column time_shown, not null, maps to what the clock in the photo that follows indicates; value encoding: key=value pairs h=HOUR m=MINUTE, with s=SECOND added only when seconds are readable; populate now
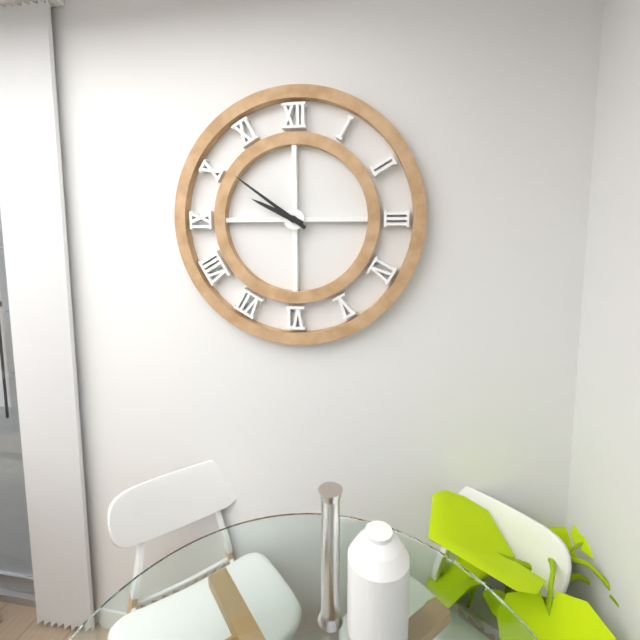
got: h=9 m=51
